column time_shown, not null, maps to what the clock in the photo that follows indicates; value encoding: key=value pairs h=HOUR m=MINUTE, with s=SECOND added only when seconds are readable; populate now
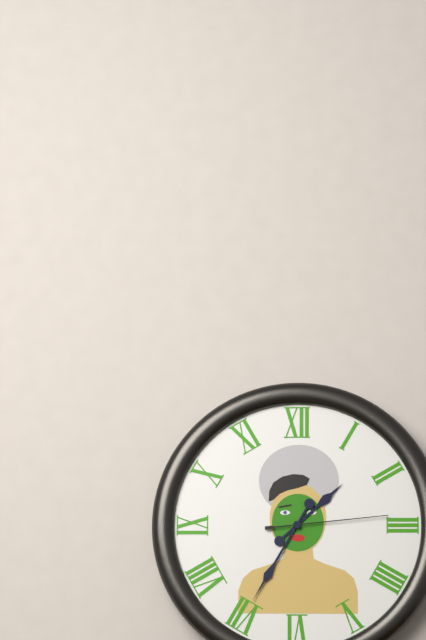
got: h=1 m=35 s=14
